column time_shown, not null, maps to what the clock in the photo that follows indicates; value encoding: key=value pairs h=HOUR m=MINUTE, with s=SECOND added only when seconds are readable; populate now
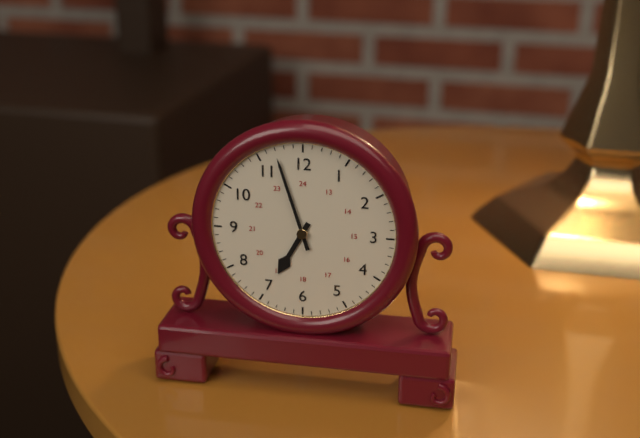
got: h=6 m=57
